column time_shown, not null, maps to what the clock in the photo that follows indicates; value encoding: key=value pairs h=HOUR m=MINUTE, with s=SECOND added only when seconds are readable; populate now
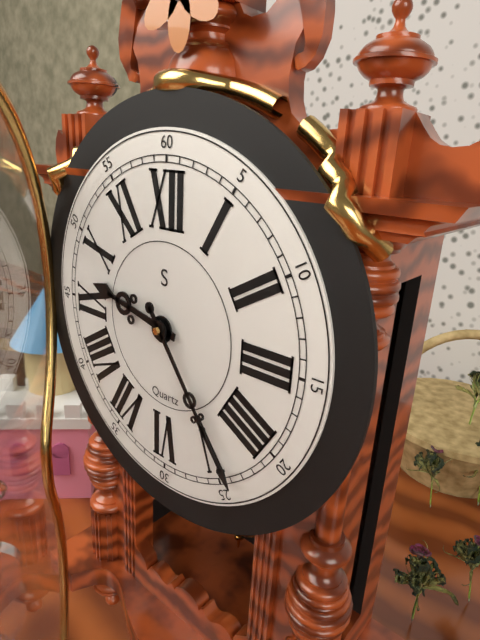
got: h=9 m=24
